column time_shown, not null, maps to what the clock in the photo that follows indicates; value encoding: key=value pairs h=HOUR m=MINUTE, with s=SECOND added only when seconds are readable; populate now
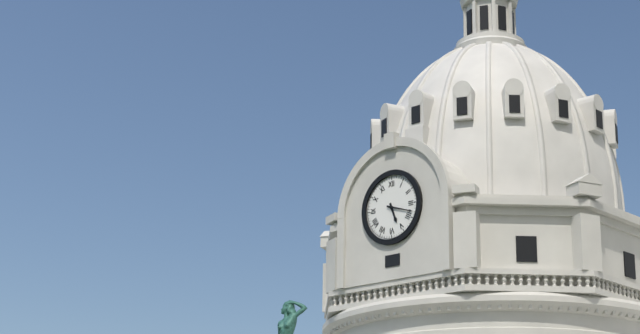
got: h=5 m=18
